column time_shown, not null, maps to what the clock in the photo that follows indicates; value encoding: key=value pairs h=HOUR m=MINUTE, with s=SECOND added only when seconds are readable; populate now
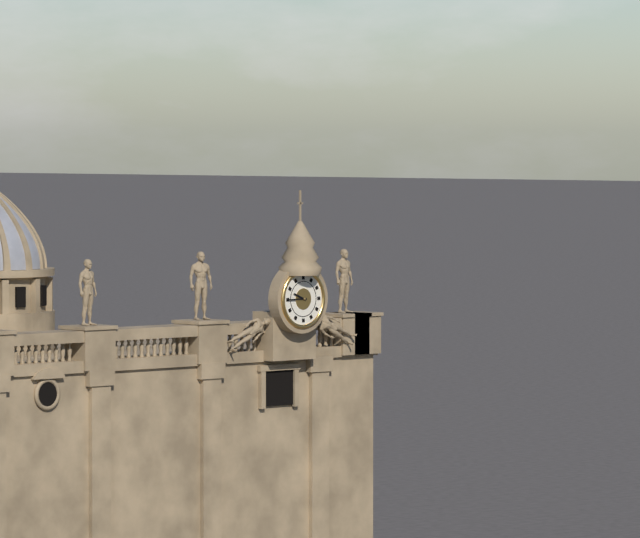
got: h=9 m=45
